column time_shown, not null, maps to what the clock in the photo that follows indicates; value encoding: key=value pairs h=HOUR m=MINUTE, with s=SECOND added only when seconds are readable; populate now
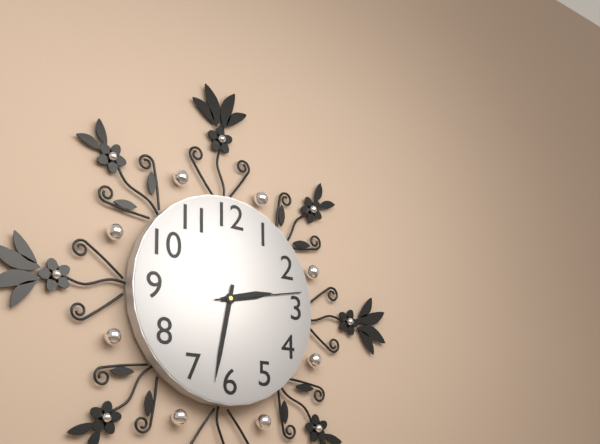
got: h=2 m=32 s=13
